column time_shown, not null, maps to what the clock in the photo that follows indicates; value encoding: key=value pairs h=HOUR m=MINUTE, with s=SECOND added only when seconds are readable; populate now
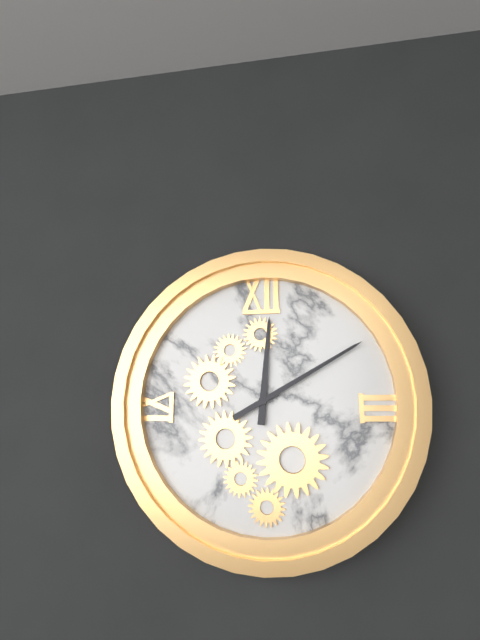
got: h=12 m=10
